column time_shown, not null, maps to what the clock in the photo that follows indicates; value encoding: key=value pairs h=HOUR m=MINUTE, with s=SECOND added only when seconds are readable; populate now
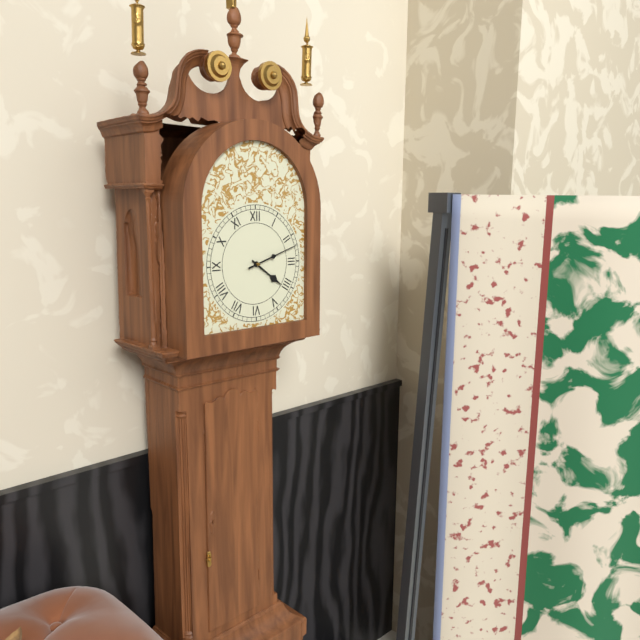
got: h=4 m=12
